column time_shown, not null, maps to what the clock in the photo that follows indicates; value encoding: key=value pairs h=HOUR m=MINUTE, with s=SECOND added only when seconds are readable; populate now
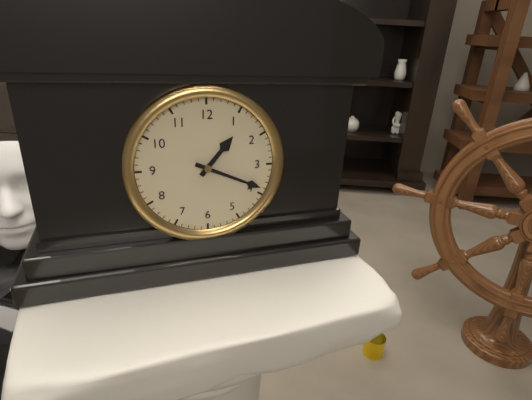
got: h=1 m=19
